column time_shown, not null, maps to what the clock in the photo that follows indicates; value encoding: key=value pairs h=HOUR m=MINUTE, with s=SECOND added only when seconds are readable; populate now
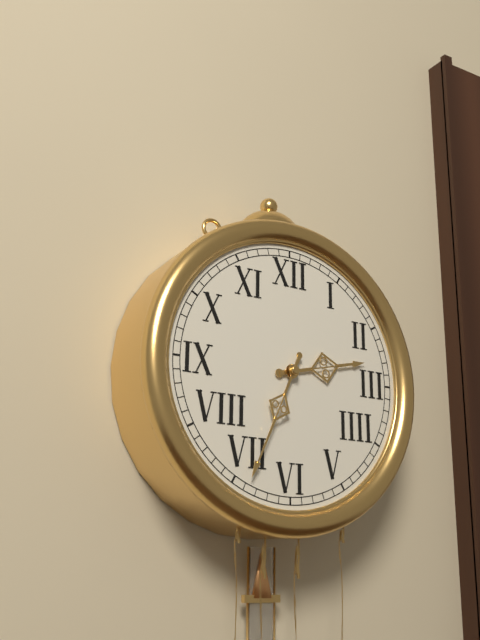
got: h=2 m=34
